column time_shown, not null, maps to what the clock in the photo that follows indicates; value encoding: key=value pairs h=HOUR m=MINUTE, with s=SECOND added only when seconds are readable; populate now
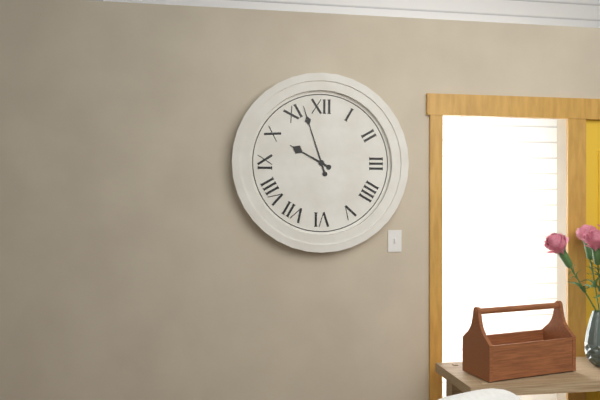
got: h=9 m=57
